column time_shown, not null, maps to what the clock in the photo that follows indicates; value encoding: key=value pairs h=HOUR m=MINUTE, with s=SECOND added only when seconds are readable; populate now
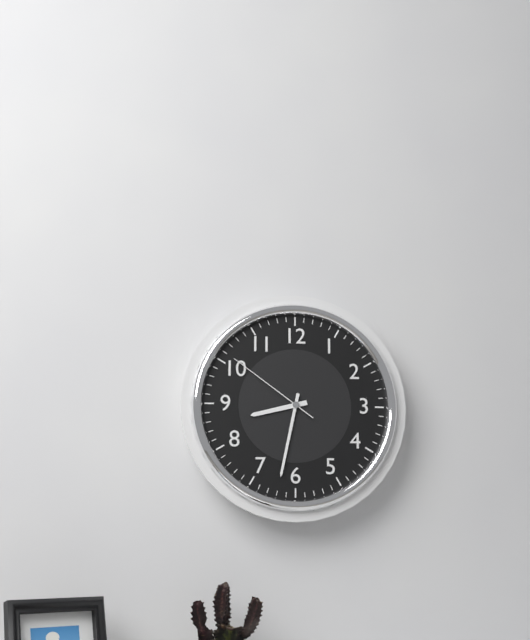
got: h=8 m=32 s=51
